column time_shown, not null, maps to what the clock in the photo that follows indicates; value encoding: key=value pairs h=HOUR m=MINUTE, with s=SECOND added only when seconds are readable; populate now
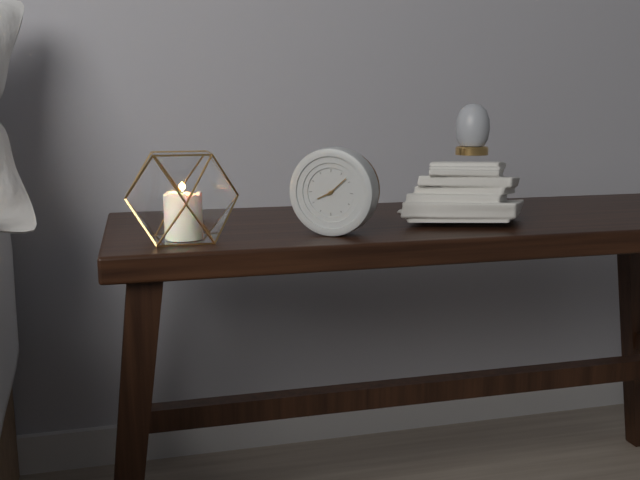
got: h=8 m=8
